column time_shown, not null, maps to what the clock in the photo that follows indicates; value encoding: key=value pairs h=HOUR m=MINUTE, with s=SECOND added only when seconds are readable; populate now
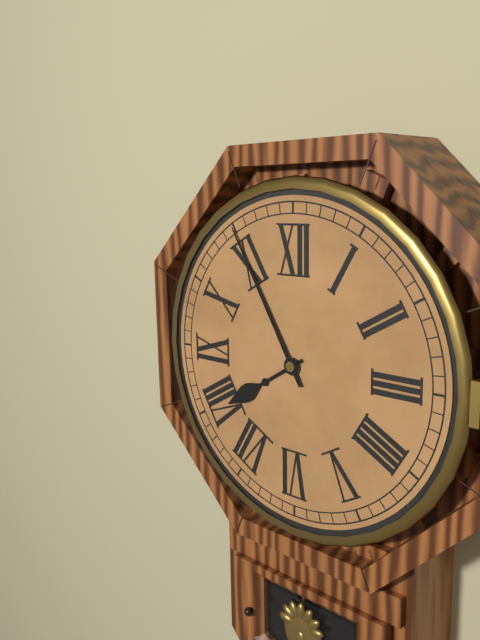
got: h=7 m=55
